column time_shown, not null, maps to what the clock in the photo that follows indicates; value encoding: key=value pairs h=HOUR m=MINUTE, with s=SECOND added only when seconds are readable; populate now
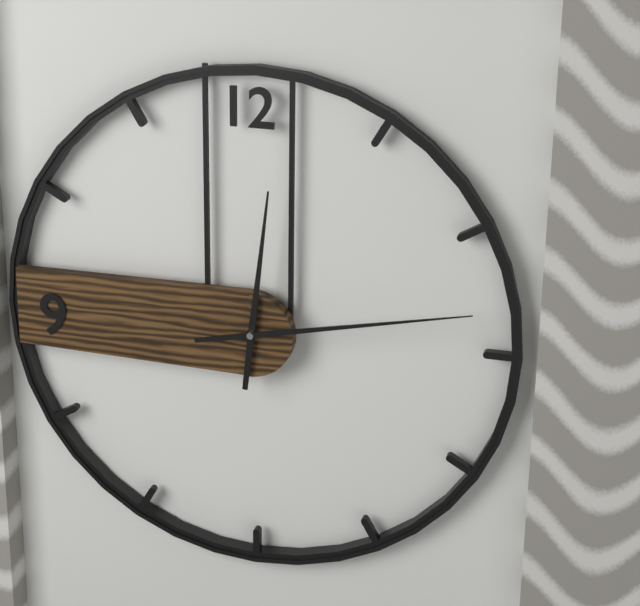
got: h=12 m=13
